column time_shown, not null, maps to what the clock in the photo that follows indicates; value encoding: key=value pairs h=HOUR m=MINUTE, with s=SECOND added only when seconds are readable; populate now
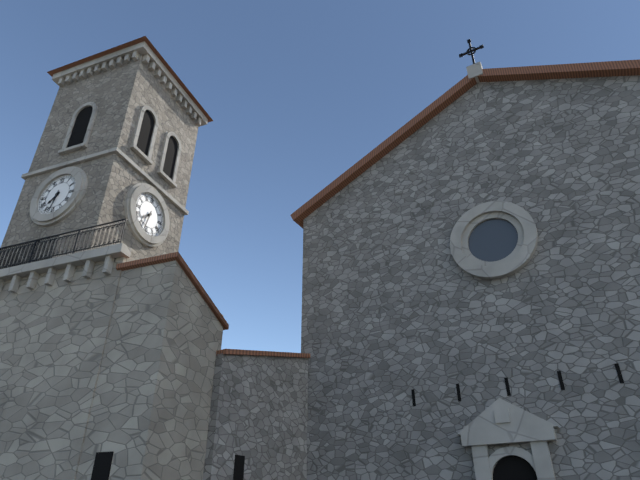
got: h=7 m=32
